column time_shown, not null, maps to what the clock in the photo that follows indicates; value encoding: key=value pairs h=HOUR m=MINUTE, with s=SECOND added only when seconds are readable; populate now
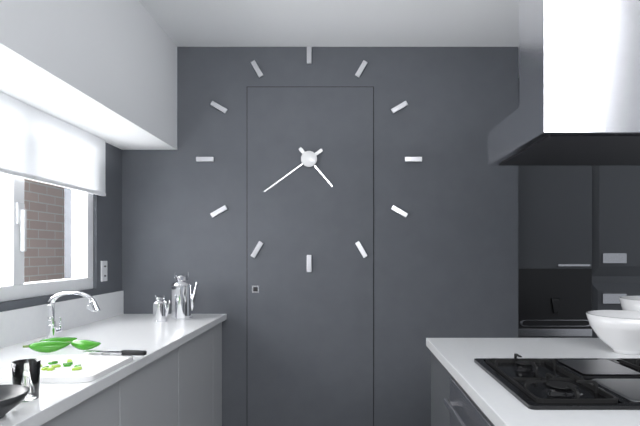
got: h=4 m=39
